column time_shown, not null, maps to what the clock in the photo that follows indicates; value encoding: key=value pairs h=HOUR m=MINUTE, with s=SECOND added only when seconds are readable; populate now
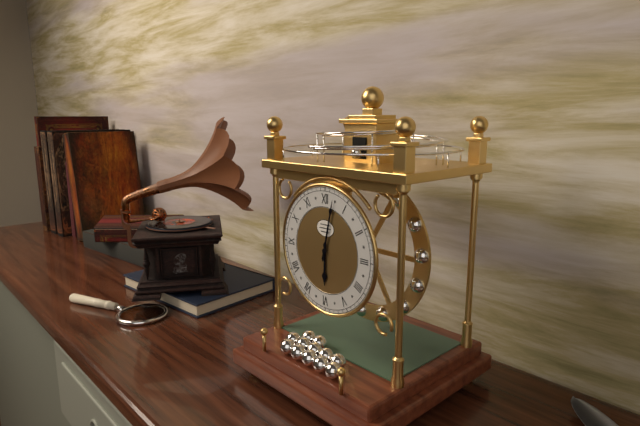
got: h=6 m=2
